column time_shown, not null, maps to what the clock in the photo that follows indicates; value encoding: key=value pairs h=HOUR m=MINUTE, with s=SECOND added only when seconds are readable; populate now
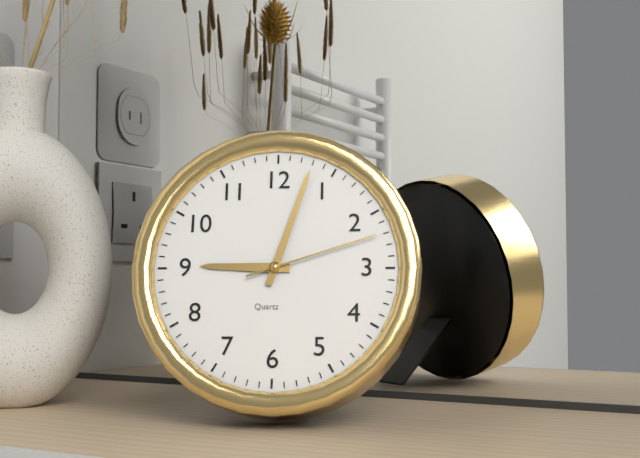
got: h=9 m=3 s=12
